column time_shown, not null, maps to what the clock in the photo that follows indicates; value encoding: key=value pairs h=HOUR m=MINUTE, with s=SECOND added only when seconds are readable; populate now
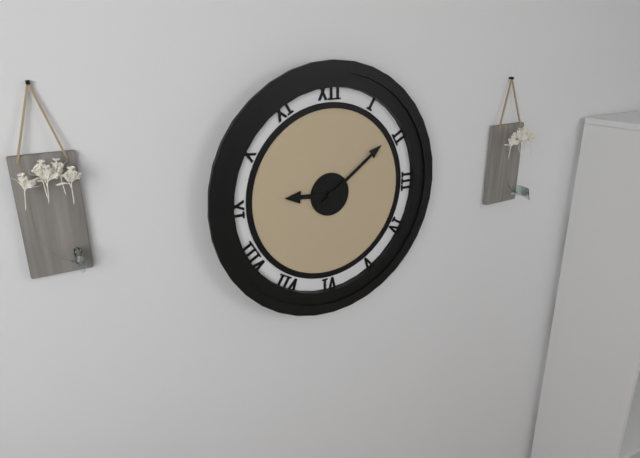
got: h=9 m=9
